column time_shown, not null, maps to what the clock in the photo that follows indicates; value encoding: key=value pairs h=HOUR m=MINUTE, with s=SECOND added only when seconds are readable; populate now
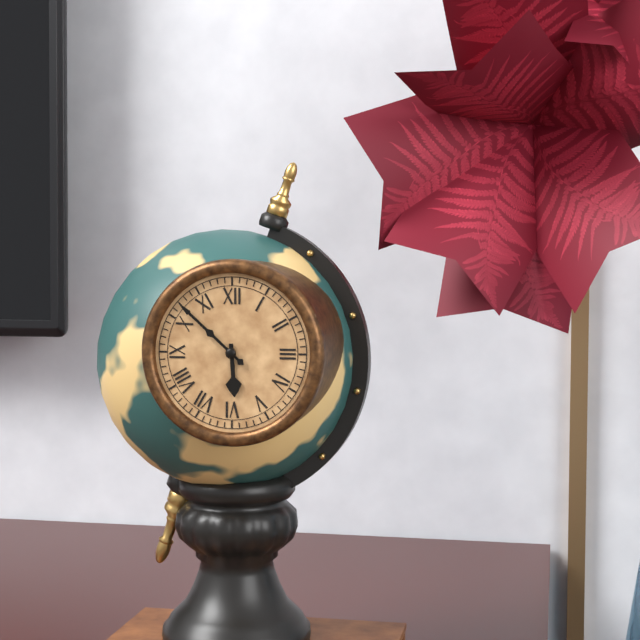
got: h=5 m=52
